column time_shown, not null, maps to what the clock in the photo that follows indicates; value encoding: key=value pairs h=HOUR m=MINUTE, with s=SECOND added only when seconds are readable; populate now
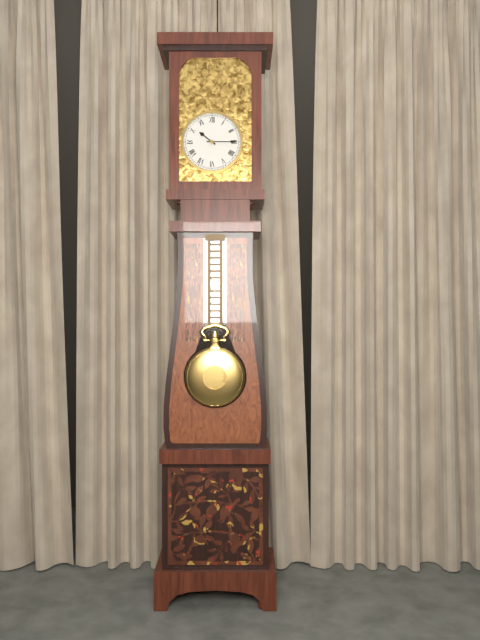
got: h=10 m=15
